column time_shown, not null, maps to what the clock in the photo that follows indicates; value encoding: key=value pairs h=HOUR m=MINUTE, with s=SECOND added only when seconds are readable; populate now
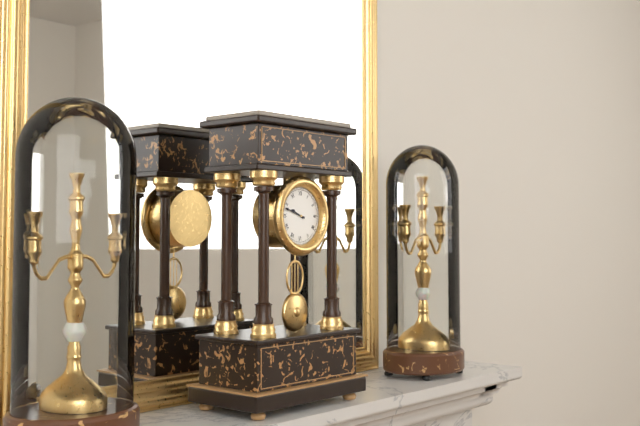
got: h=9 m=48
